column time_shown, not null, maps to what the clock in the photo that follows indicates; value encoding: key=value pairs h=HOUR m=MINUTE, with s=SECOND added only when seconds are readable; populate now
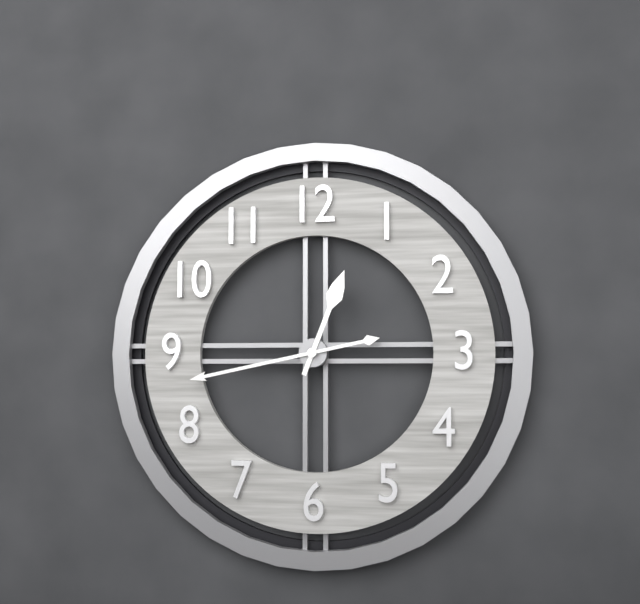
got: h=12 m=43
